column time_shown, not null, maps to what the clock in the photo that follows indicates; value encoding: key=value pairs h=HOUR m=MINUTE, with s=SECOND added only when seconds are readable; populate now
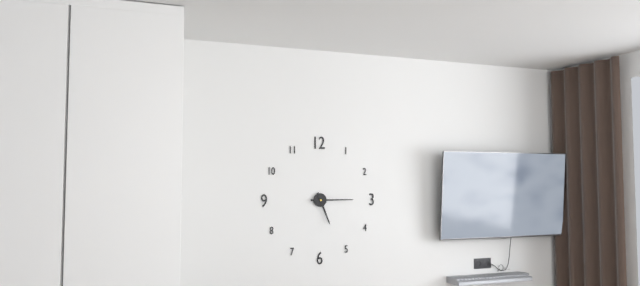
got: h=5 m=15
